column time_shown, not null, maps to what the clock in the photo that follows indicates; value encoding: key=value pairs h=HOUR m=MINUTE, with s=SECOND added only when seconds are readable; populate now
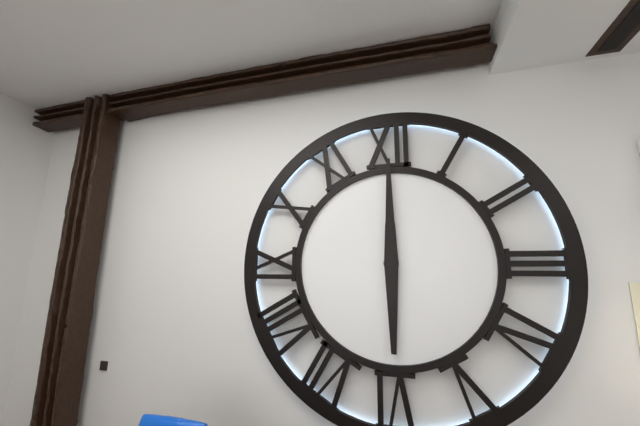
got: h=6 m=0
